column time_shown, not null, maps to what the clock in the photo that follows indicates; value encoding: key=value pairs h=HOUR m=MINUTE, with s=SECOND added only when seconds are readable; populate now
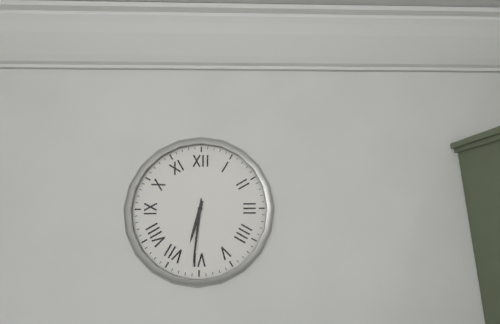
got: h=6 m=31
